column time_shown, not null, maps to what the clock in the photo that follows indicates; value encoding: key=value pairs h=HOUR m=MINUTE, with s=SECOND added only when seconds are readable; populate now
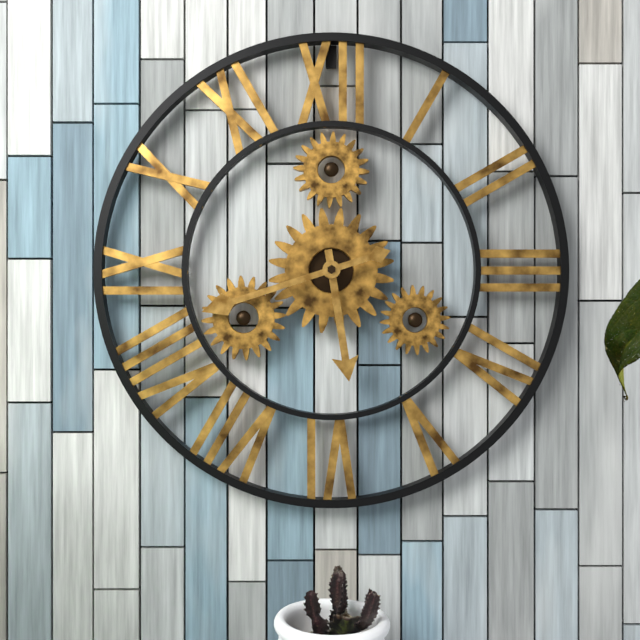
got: h=5 m=42
